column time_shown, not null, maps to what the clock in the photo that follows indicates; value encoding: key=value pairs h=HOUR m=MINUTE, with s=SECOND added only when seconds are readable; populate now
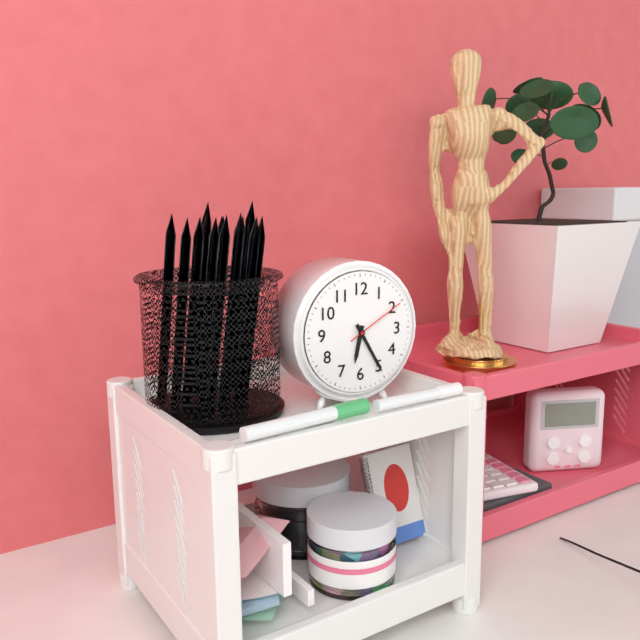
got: h=6 m=25 s=10
